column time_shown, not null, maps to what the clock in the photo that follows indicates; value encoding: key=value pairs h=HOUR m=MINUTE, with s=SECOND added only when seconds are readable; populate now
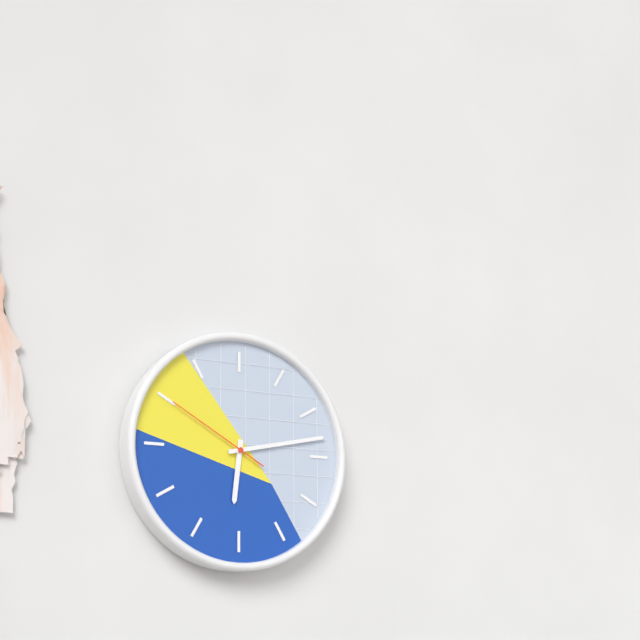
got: h=6 m=13 s=50
